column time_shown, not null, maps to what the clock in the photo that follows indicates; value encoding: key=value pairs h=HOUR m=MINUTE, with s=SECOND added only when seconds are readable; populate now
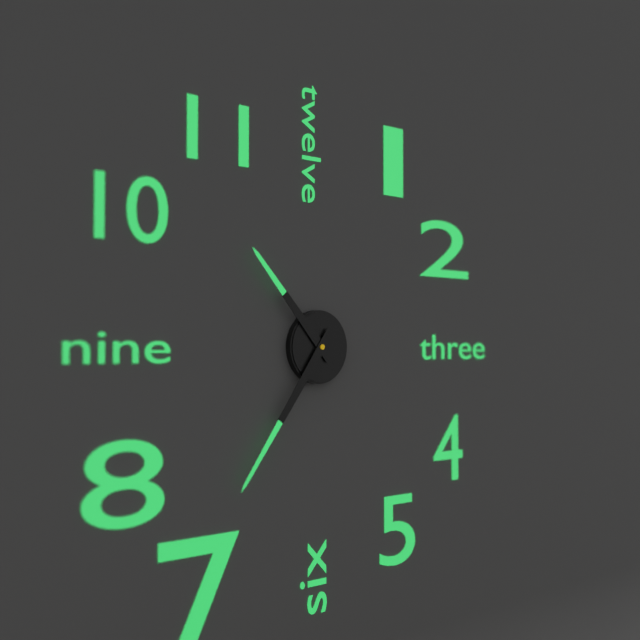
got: h=10 m=36
